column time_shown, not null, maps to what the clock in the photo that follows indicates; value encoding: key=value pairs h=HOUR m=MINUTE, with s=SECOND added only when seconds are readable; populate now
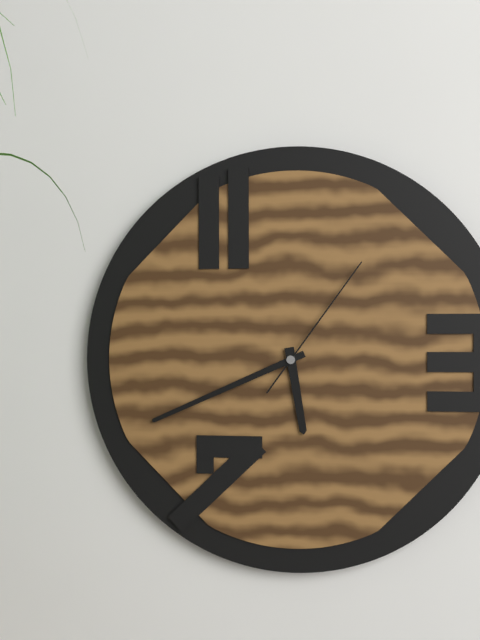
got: h=5 m=41 s=6
